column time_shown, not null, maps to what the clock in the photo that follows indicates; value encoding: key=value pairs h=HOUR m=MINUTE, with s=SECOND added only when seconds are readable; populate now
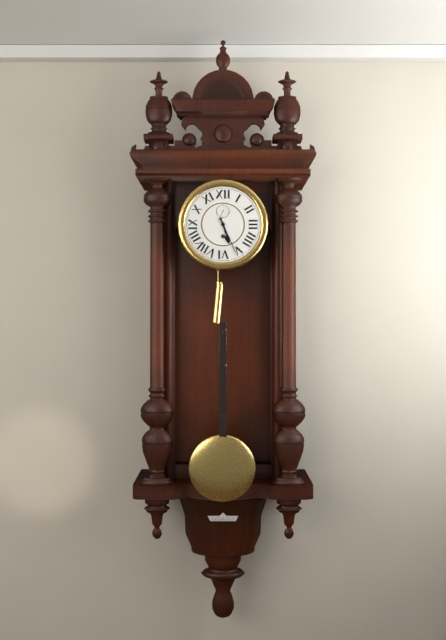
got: h=5 m=26
